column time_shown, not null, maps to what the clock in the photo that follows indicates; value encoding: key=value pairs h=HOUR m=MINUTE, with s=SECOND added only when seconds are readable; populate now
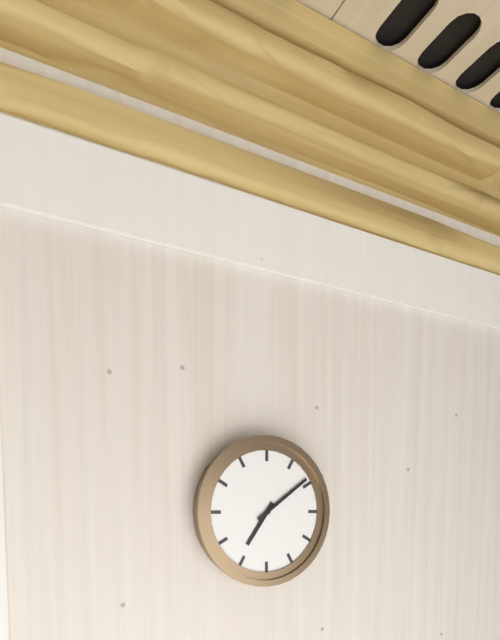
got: h=7 m=9
